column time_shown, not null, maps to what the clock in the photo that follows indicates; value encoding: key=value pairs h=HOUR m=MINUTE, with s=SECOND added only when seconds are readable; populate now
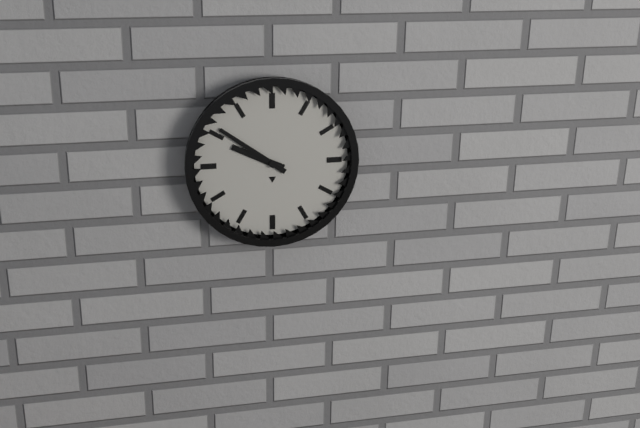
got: h=9 m=51
